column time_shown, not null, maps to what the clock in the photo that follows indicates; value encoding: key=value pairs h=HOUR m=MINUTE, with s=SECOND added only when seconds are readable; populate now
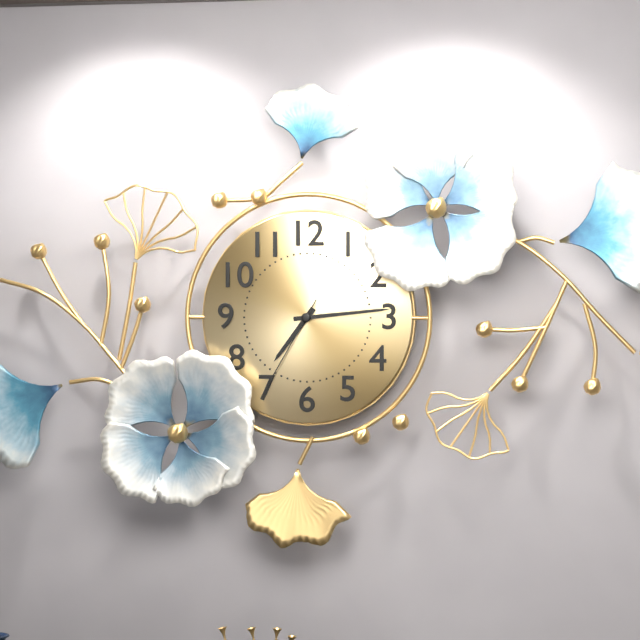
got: h=7 m=14 s=35
